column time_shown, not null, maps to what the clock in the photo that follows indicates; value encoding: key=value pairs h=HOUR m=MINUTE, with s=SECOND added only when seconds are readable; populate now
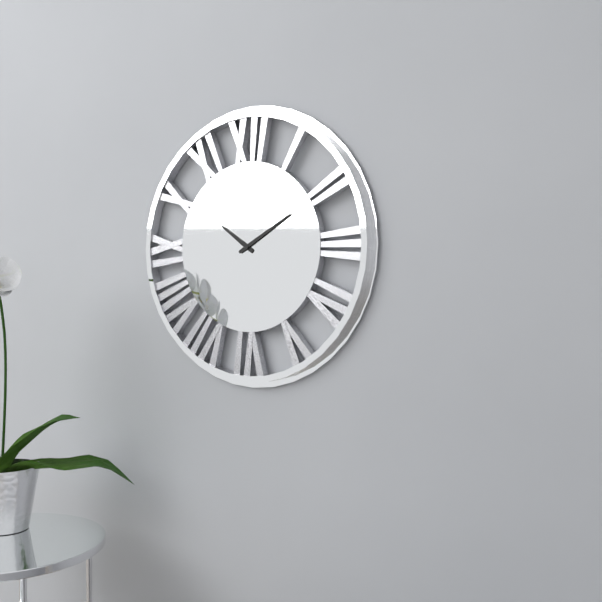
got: h=10 m=10
